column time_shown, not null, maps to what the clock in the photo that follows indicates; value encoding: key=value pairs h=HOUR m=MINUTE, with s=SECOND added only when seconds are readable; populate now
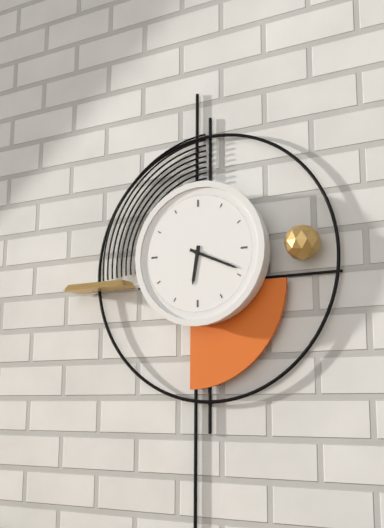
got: h=6 m=19
